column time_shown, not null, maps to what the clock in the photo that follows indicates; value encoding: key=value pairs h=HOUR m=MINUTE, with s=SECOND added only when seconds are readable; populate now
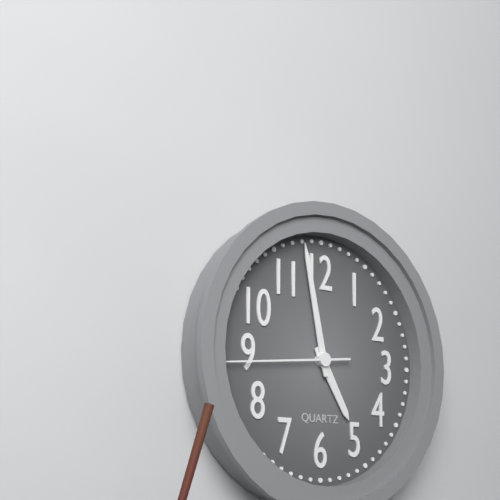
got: h=4 m=58 s=44
